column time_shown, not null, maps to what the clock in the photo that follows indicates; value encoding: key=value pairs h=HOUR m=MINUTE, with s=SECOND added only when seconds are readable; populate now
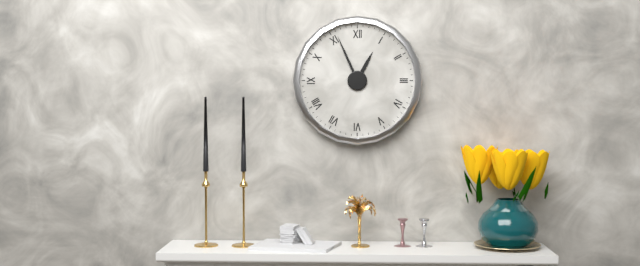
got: h=12 m=56
